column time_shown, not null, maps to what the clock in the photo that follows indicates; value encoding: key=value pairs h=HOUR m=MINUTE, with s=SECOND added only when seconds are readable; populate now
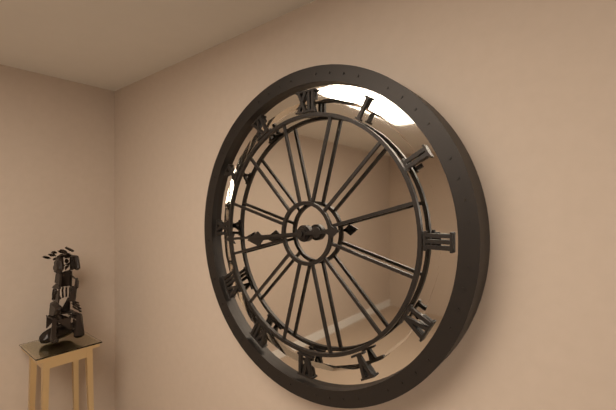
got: h=8 m=44
